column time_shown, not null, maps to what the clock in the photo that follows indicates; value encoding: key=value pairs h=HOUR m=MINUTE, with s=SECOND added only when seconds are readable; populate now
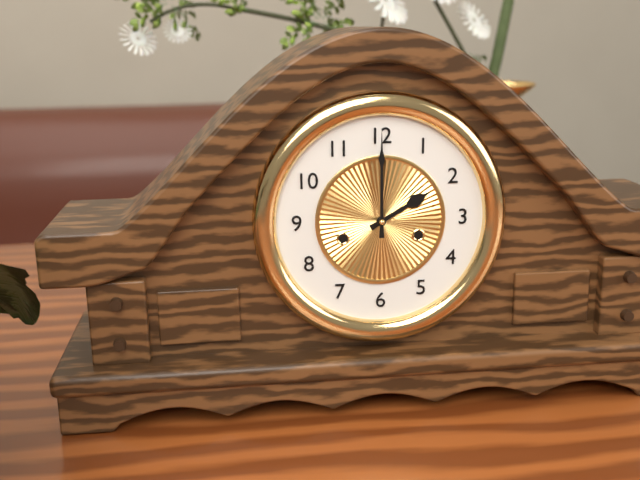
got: h=2 m=0
